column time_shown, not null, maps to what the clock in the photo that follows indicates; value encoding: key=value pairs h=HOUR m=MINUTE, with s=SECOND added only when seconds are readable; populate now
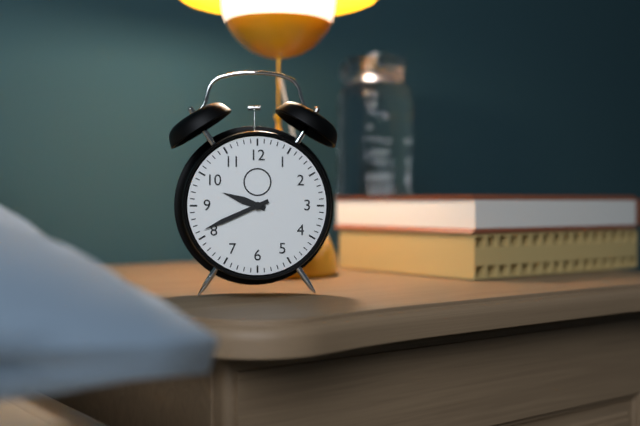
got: h=9 m=41
